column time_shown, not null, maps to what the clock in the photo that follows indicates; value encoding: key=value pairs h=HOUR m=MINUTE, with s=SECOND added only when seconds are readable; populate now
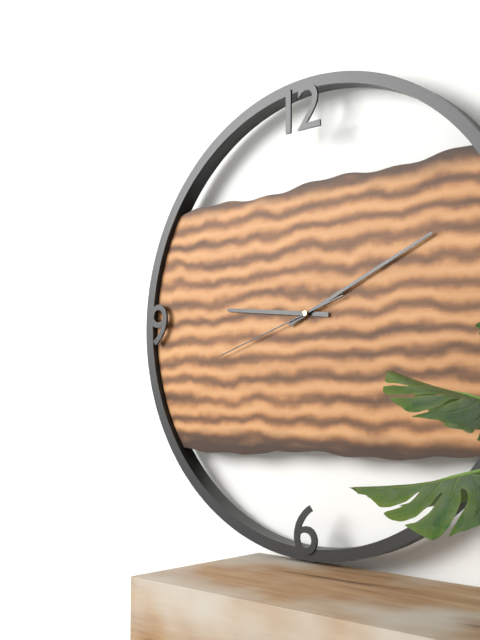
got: h=9 m=11 s=42
